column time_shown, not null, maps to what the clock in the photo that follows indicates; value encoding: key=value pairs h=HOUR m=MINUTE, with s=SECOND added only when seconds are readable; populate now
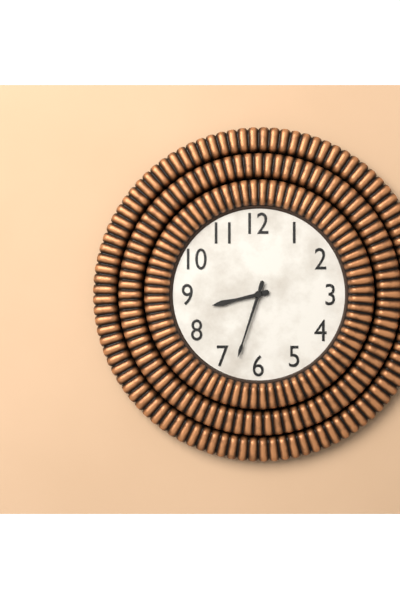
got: h=8 m=33
